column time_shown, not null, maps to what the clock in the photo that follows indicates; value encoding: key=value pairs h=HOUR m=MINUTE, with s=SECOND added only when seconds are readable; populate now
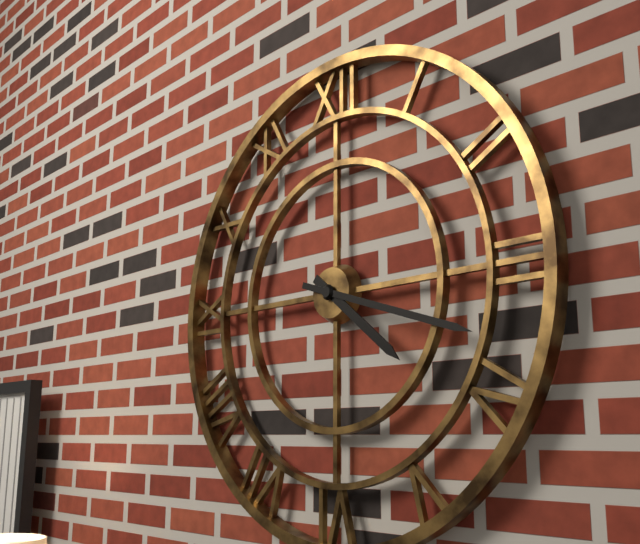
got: h=4 m=18
